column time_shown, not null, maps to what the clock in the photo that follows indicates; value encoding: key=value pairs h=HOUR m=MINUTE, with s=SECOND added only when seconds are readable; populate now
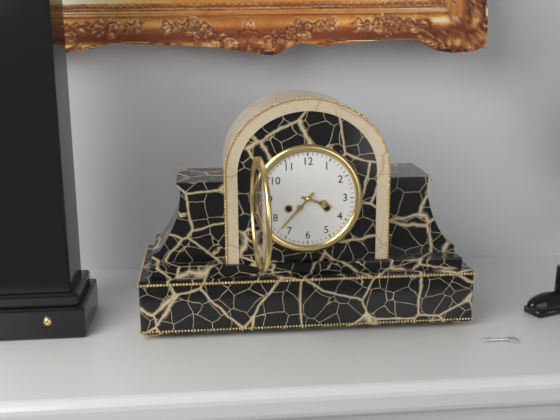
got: h=3 m=37
